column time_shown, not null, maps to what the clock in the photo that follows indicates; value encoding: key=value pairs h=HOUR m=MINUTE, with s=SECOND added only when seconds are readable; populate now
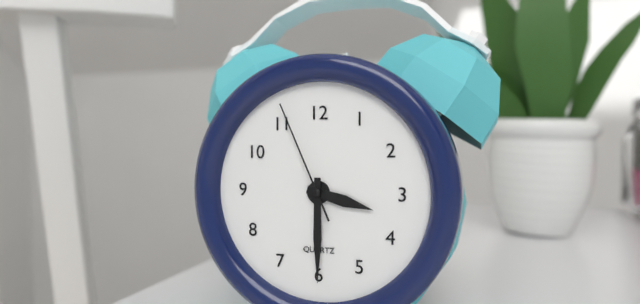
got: h=3 m=30 s=56
